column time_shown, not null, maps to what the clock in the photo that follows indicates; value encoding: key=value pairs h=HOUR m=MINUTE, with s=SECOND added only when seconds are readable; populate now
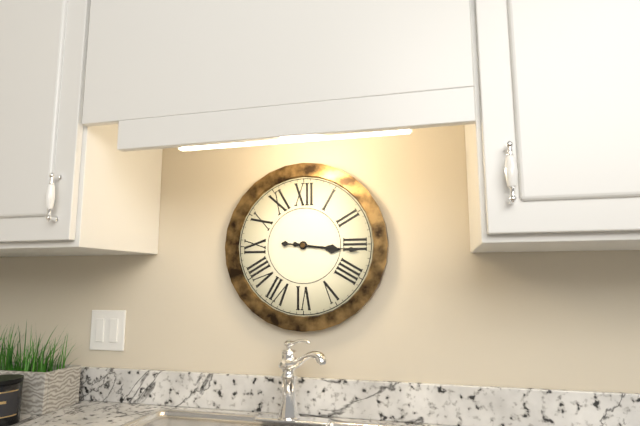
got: h=3 m=16
